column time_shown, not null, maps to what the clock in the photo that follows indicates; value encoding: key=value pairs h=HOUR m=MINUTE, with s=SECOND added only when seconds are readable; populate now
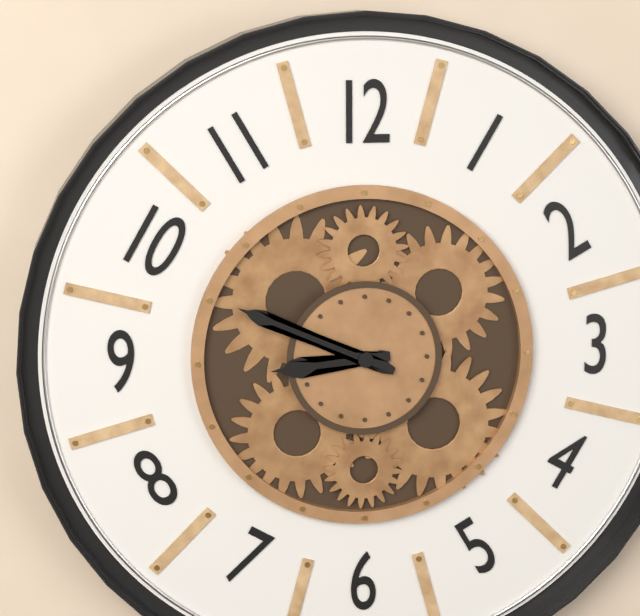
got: h=8 m=49
